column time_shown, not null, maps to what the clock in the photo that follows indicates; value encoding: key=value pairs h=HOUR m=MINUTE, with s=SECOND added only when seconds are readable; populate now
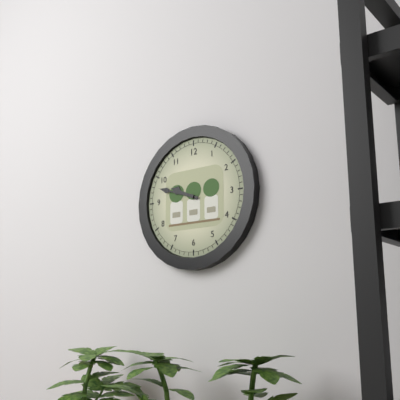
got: h=9 m=48
